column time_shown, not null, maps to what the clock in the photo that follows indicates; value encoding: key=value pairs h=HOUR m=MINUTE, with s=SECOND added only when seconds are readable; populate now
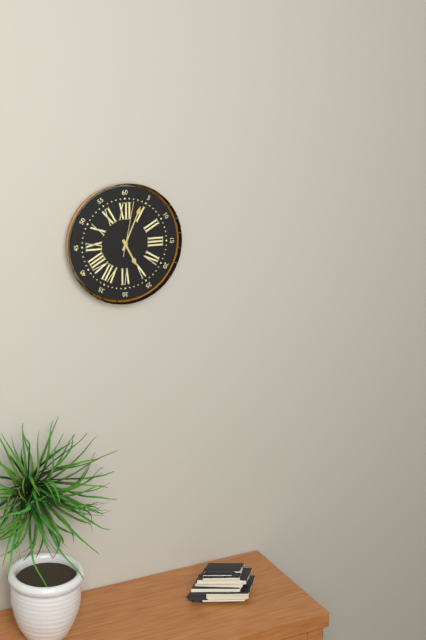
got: h=5 m=4 s=2
